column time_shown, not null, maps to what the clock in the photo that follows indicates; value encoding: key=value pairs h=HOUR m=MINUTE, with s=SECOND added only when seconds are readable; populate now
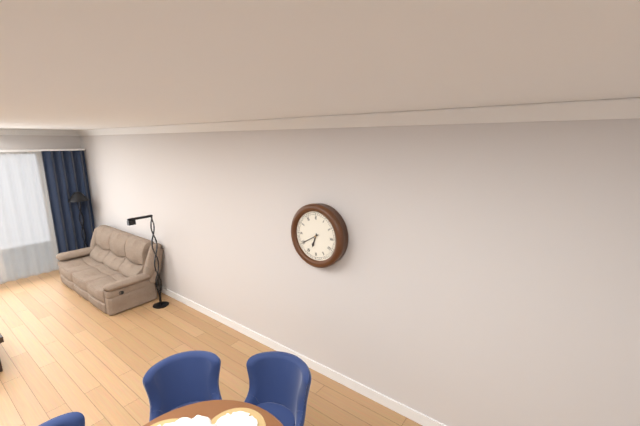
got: h=6 m=40
